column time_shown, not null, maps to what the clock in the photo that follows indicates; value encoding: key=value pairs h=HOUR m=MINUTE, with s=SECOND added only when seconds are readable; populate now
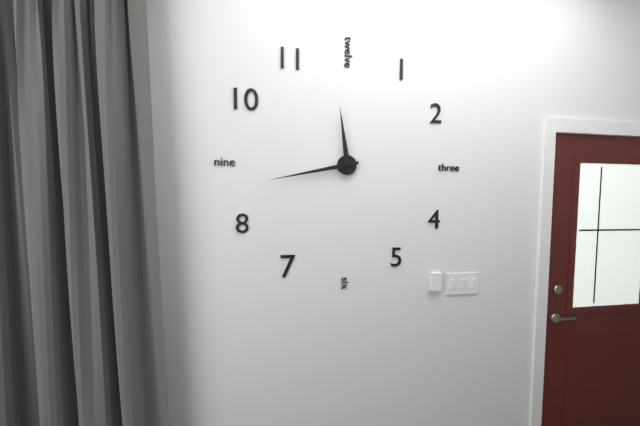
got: h=11 m=43
